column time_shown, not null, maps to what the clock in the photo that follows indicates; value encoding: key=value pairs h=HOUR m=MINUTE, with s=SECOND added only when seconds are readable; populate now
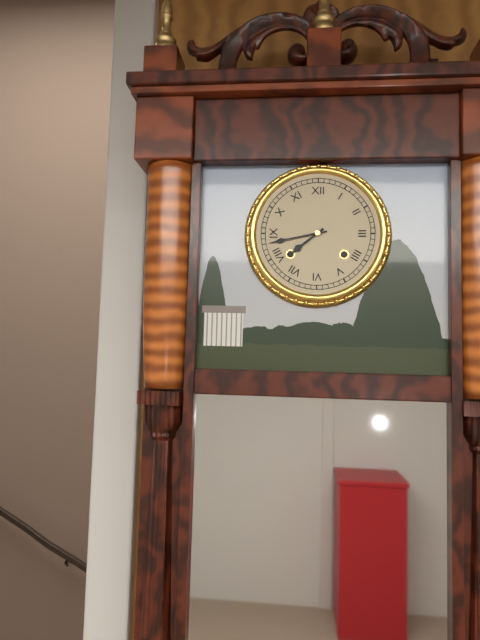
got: h=7 m=43
